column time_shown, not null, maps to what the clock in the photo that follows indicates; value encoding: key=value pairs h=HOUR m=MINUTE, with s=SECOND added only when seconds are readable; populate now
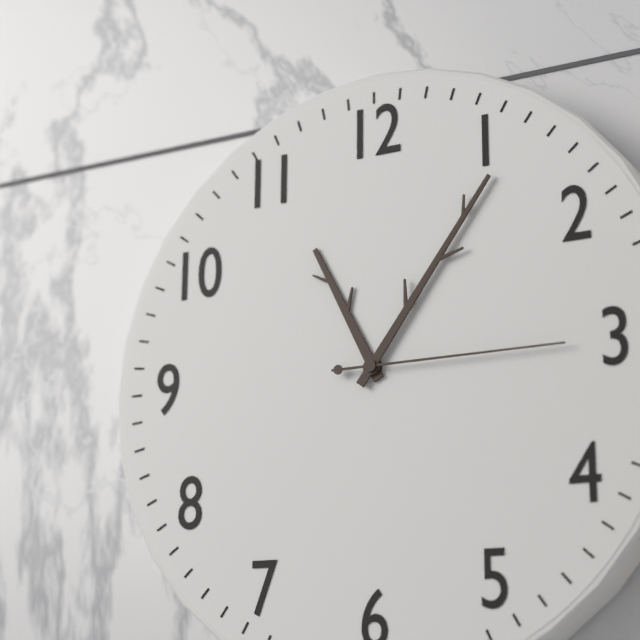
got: h=11 m=6 s=15
